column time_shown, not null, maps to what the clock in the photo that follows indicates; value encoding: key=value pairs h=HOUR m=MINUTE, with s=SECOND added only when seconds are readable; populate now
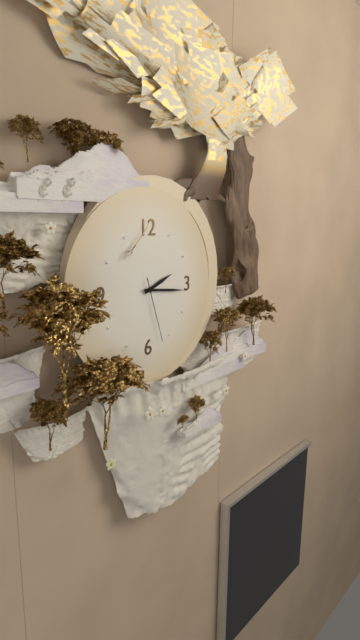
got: h=2 m=16 s=27
